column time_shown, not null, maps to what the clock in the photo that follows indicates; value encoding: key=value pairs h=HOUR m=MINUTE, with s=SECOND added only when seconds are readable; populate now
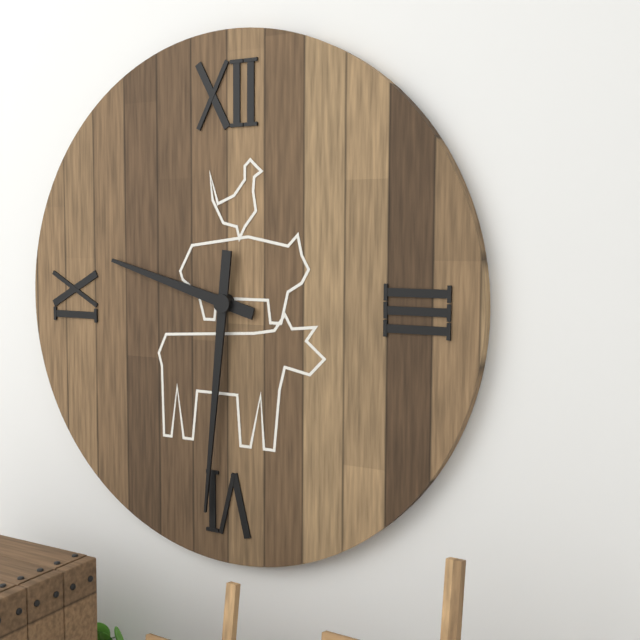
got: h=9 m=31
